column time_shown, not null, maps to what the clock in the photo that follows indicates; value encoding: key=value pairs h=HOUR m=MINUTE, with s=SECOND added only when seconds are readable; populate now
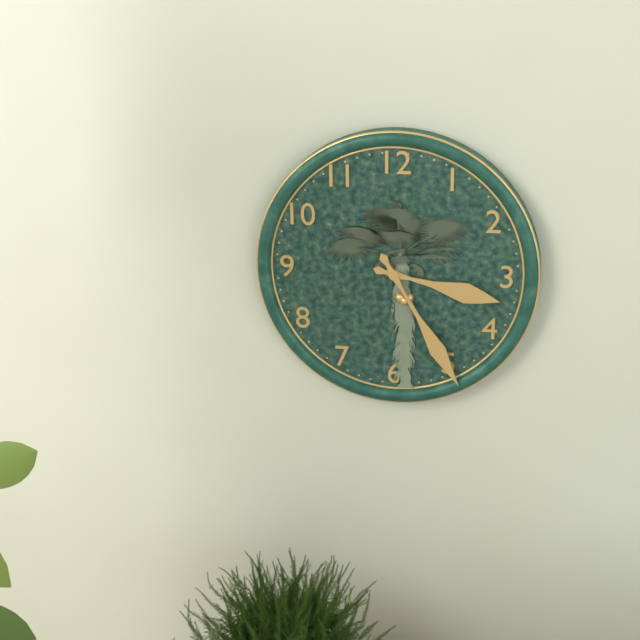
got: h=3 m=25
